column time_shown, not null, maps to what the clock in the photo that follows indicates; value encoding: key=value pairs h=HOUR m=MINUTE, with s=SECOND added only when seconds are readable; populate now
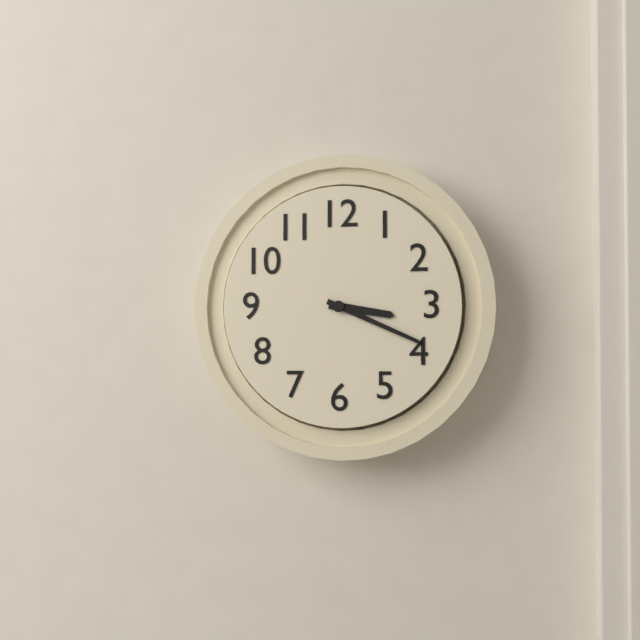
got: h=3 m=19
